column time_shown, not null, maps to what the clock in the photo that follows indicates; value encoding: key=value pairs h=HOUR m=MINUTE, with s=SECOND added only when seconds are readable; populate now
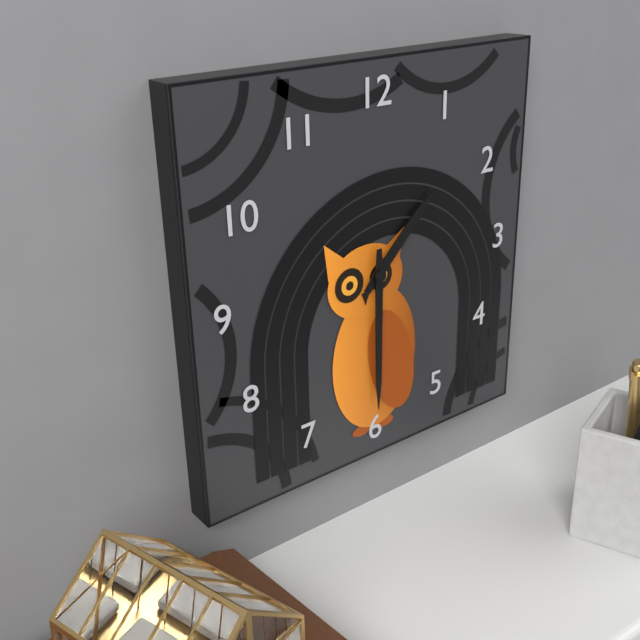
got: h=1 m=30
